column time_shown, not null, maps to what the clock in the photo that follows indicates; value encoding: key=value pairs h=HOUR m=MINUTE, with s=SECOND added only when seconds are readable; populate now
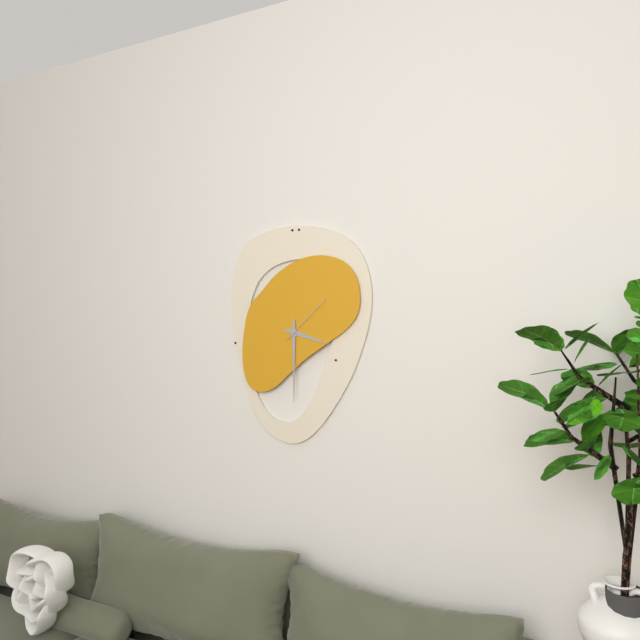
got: h=3 m=30 s=8
